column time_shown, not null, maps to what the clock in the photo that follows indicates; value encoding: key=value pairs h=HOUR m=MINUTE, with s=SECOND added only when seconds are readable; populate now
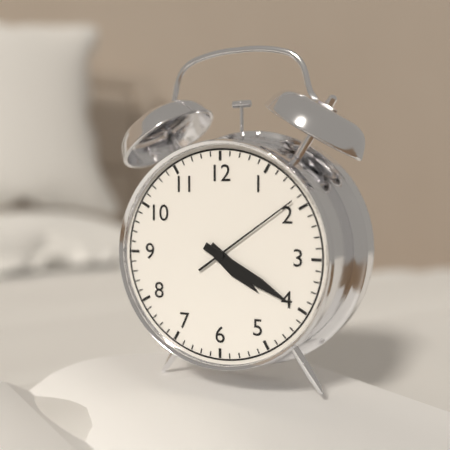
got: h=4 m=20 s=9
